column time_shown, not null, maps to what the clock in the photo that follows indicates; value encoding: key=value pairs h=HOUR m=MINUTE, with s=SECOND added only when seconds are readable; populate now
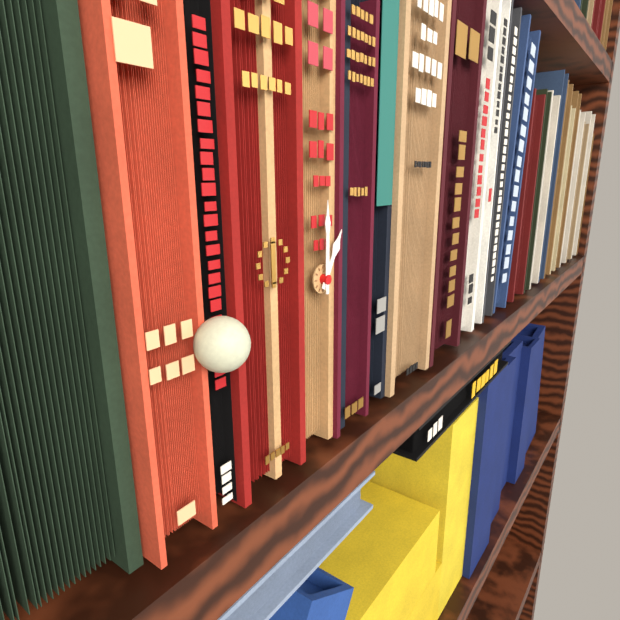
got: h=1 m=0
